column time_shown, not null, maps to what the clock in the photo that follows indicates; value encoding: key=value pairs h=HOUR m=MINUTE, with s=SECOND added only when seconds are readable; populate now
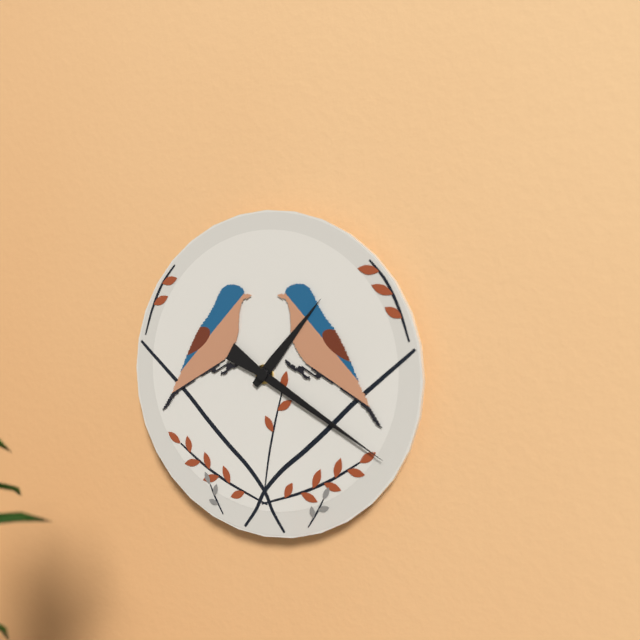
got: h=1 m=20
